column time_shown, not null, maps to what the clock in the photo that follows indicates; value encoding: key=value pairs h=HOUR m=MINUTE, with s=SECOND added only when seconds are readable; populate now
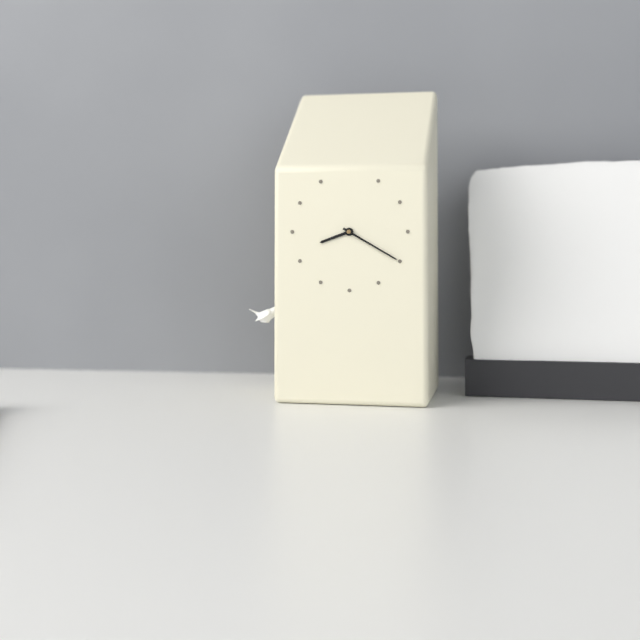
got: h=8 m=20
